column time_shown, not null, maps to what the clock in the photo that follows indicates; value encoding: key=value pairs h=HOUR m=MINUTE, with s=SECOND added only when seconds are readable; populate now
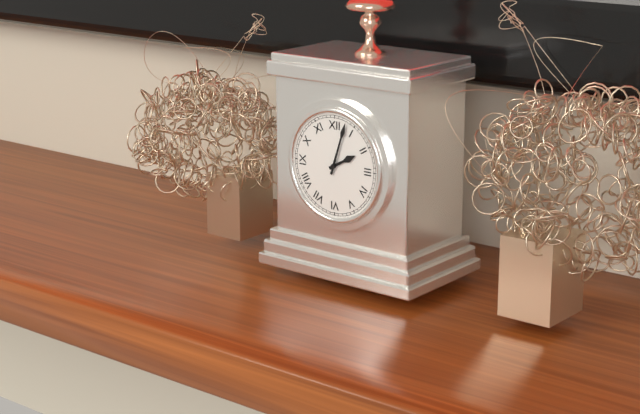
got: h=2 m=3
